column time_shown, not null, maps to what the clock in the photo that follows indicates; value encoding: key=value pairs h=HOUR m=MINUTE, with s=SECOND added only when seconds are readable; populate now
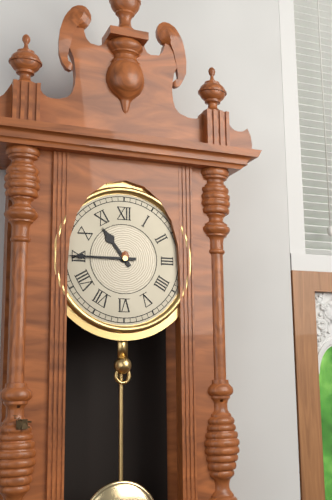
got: h=10 m=45
